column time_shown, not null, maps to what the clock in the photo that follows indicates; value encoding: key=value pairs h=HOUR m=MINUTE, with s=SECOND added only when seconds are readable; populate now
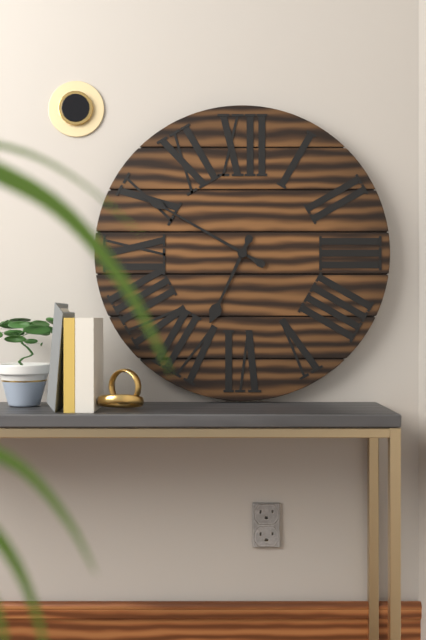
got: h=6 m=50
